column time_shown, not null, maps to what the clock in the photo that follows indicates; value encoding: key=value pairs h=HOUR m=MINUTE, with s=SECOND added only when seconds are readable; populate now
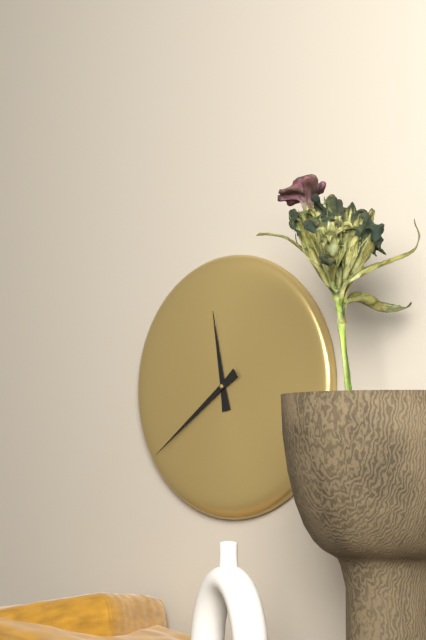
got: h=11 m=39
